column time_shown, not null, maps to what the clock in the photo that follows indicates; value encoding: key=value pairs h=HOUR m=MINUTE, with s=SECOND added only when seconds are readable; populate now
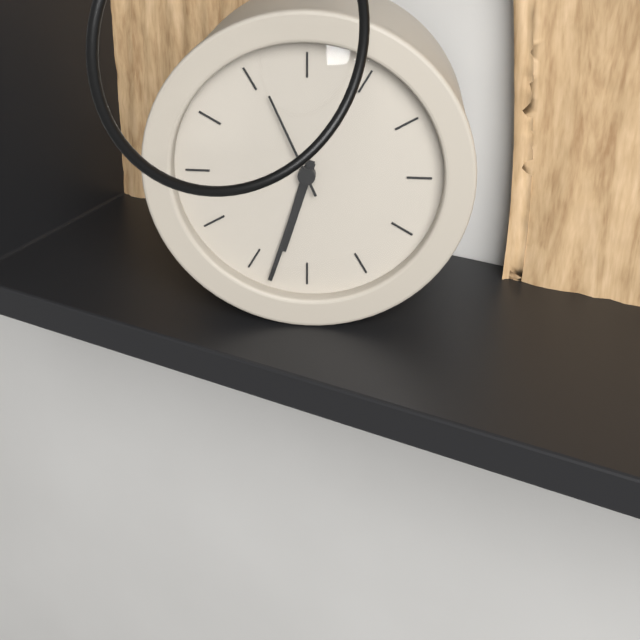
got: h=6 m=33 s=56
